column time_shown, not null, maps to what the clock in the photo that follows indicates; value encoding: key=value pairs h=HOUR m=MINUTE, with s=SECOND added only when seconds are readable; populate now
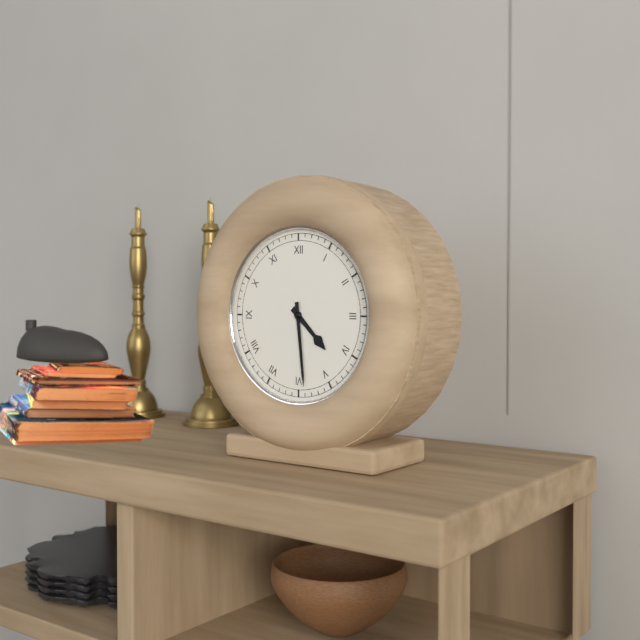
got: h=4 m=29
